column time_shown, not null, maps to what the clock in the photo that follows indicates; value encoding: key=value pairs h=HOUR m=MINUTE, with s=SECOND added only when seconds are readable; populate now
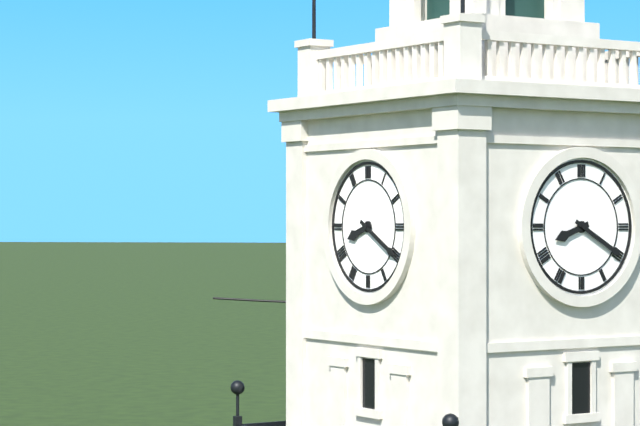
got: h=8 m=20
